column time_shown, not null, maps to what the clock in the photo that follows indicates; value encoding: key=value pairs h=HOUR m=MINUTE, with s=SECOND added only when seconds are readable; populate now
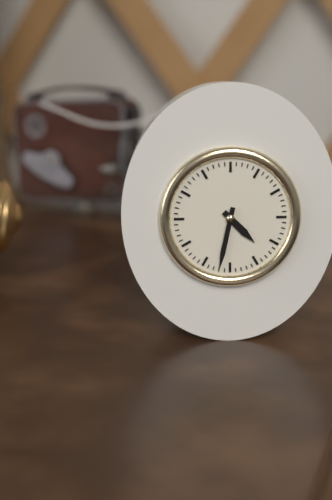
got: h=4 m=32
